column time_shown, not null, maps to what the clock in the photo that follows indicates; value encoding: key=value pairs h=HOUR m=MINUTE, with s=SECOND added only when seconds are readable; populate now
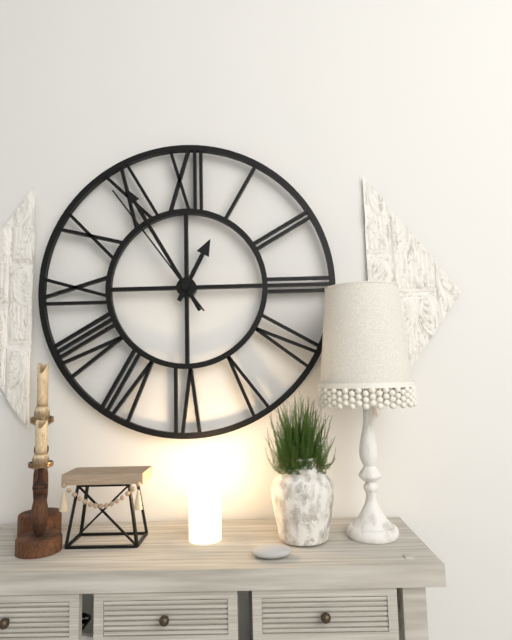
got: h=12 m=55 s=54
